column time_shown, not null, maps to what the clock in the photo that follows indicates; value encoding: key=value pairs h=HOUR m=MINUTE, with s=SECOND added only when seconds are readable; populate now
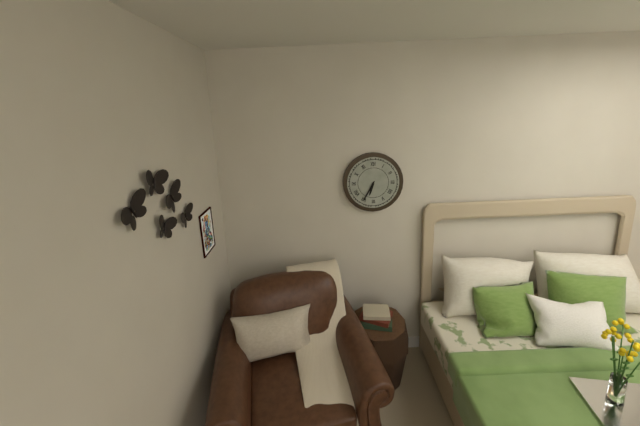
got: h=6 m=35
